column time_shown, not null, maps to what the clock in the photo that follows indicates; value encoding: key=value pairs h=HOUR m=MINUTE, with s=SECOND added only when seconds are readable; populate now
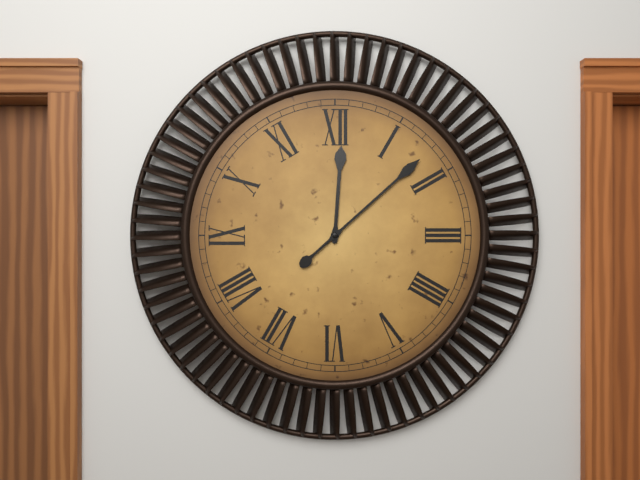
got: h=12 m=8
